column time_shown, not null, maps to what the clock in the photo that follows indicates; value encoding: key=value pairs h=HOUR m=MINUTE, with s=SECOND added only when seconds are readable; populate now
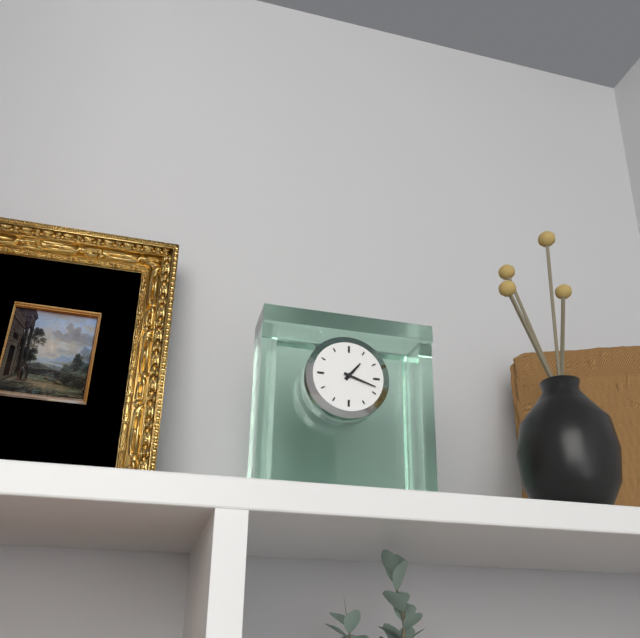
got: h=1 m=18
